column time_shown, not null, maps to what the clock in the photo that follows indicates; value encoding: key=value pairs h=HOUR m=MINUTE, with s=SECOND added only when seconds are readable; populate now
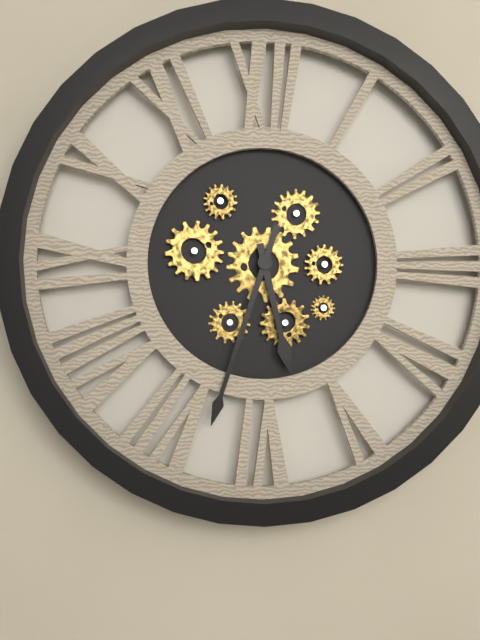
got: h=5 m=33
